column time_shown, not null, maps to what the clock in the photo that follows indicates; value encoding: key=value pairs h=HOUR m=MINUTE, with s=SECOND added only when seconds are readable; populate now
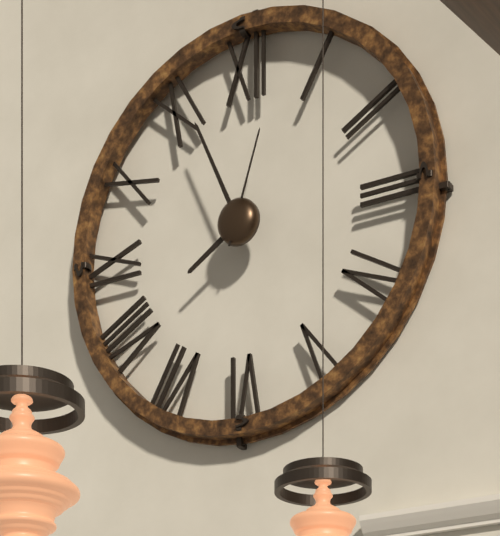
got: h=7 m=56 s=3
